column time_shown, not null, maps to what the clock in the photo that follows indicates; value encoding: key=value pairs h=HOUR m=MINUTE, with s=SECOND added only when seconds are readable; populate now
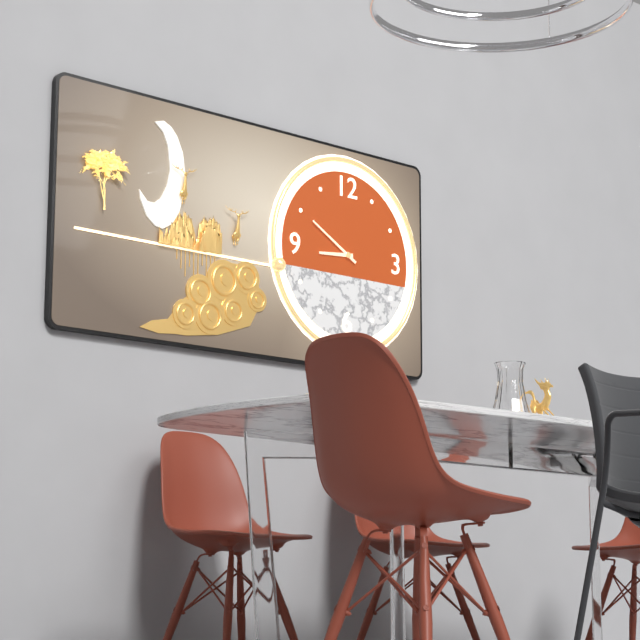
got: h=8 m=50
